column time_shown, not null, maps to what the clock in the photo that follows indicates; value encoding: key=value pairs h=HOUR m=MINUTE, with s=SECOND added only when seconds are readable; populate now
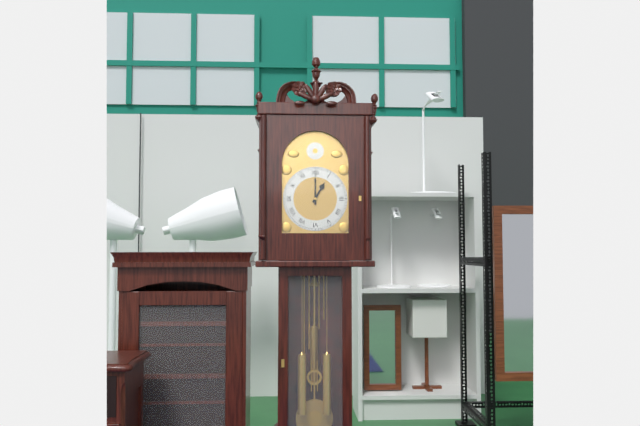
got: h=1 m=0
